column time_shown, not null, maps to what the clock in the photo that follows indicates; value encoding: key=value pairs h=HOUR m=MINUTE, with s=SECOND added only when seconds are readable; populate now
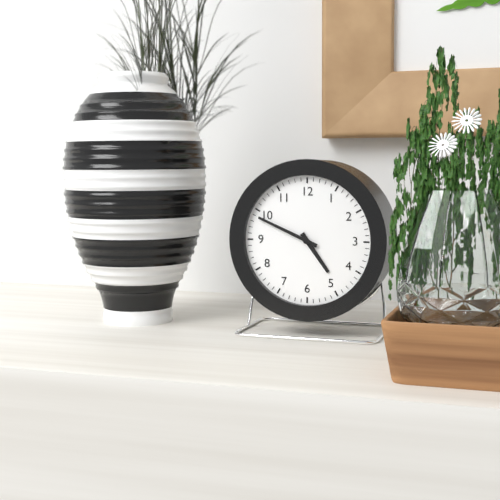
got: h=4 m=49
